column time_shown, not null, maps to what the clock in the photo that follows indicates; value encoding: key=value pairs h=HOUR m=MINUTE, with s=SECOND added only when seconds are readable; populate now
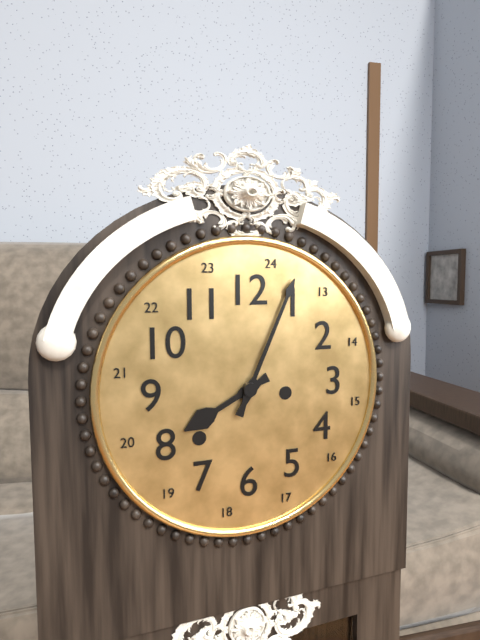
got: h=8 m=4
